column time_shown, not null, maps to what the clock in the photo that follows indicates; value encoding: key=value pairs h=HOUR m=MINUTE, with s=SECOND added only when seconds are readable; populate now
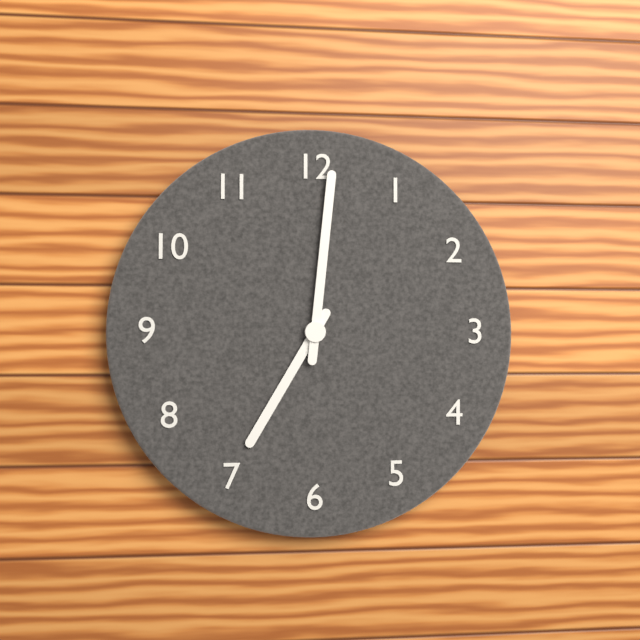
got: h=7 m=1
